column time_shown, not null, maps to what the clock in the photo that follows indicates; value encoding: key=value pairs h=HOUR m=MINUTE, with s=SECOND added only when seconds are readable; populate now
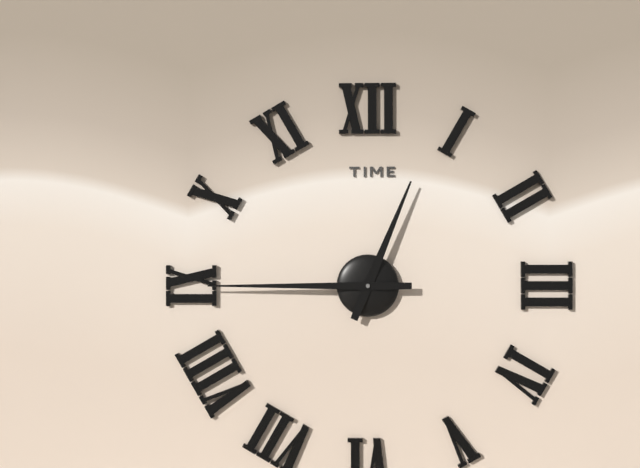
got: h=12 m=45
